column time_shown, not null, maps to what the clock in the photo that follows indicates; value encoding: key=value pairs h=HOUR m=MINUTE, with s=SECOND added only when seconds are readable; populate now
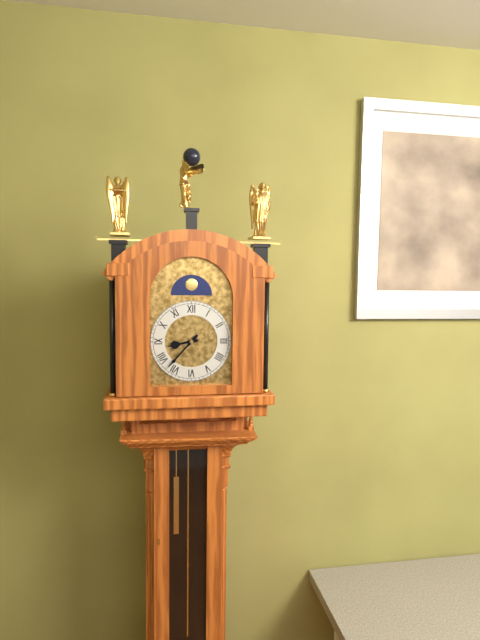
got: h=8 m=37
